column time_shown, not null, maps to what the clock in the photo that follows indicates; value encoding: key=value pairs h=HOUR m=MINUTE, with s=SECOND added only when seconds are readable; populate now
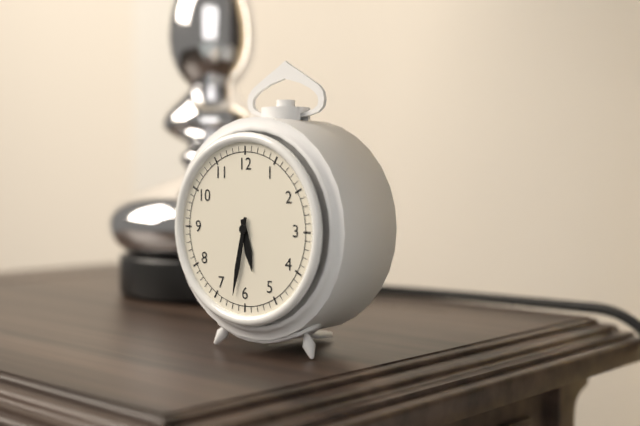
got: h=5 m=32
